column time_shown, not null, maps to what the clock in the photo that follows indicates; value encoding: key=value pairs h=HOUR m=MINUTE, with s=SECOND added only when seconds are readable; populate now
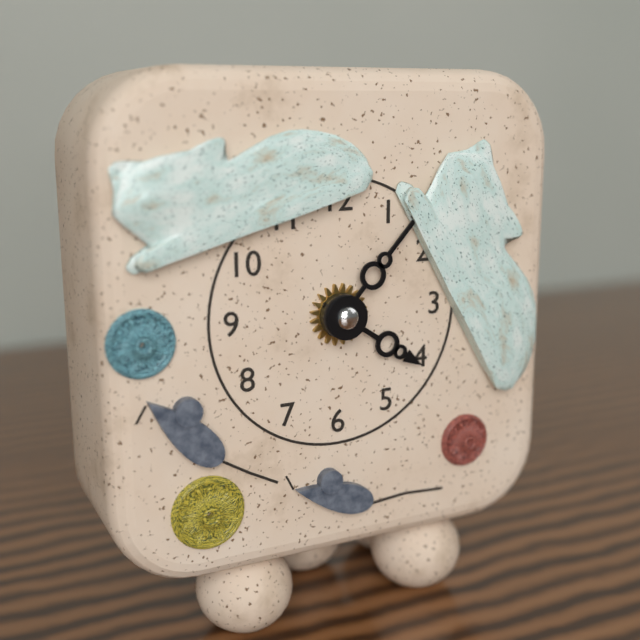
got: h=4 m=7
